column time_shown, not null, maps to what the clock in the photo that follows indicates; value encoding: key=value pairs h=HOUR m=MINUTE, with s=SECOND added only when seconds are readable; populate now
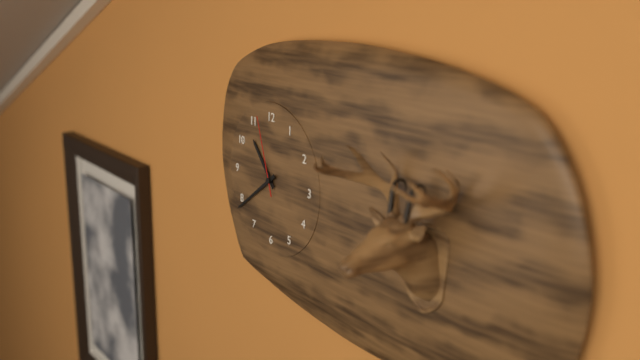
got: h=10 m=39 s=57
